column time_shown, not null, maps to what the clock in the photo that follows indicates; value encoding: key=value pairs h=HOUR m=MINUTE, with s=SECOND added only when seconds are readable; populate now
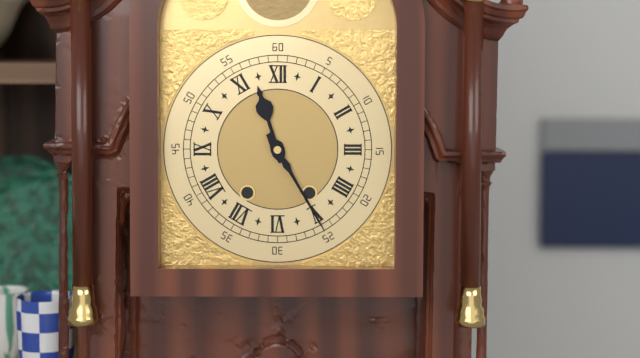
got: h=11 m=25
